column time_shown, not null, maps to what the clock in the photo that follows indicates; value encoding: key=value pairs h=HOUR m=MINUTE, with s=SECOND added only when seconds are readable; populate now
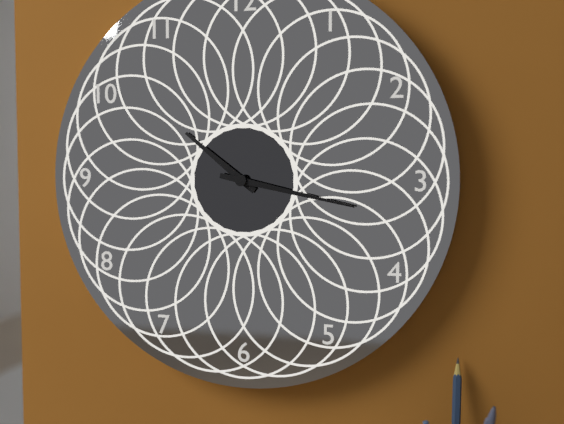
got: h=10 m=17
